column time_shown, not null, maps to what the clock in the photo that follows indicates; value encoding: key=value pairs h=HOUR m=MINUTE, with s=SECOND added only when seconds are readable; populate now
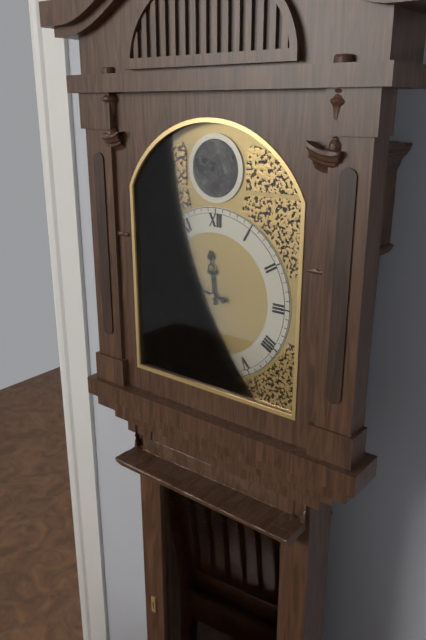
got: h=11 m=47
